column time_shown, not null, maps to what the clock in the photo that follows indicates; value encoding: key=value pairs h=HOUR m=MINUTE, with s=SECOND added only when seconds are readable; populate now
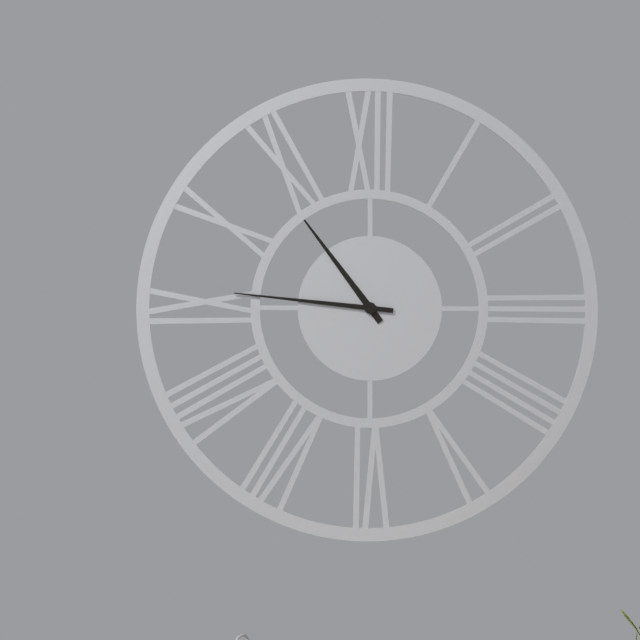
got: h=10 m=46
